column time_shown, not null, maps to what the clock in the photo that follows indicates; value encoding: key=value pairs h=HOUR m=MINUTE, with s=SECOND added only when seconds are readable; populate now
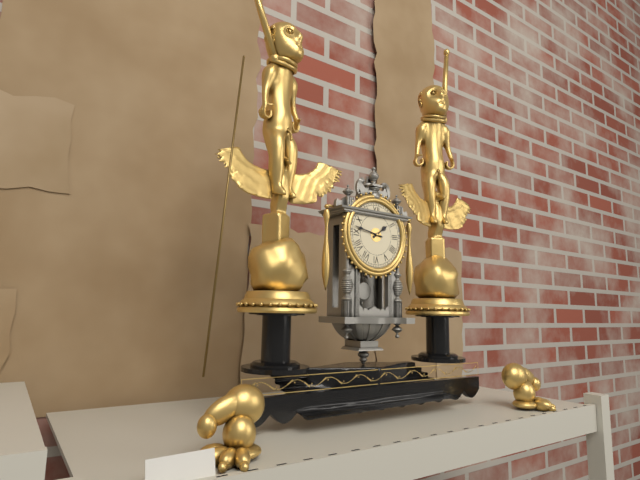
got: h=1 m=47
